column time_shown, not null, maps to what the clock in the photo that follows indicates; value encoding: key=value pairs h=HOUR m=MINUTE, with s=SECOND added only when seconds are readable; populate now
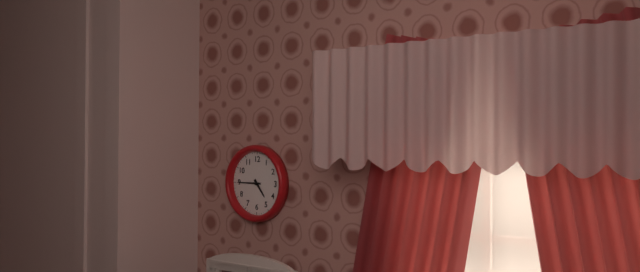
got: h=4 m=45
